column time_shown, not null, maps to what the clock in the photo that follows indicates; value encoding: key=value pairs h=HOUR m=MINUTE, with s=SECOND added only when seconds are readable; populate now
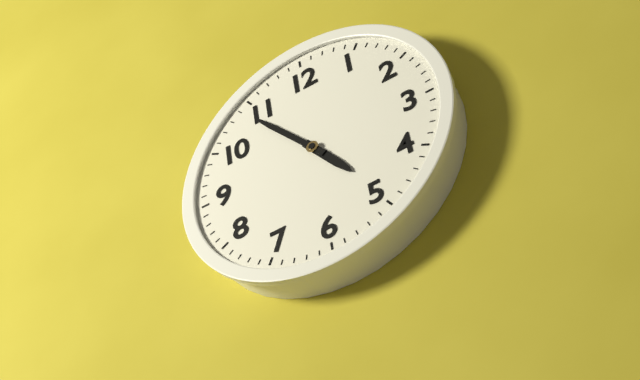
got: h=4 m=54
